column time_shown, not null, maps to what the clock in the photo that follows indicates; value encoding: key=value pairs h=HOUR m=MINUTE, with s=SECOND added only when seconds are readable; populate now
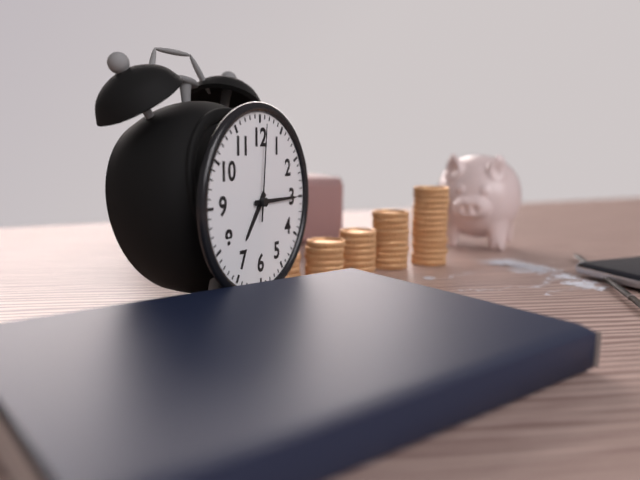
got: h=7 m=15 s=1
